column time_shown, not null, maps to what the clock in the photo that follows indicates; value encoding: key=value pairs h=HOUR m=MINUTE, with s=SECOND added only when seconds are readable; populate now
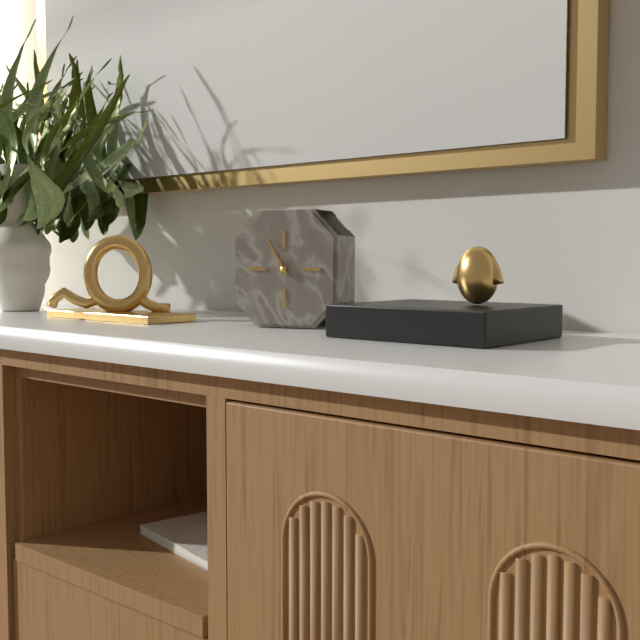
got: h=10 m=55
